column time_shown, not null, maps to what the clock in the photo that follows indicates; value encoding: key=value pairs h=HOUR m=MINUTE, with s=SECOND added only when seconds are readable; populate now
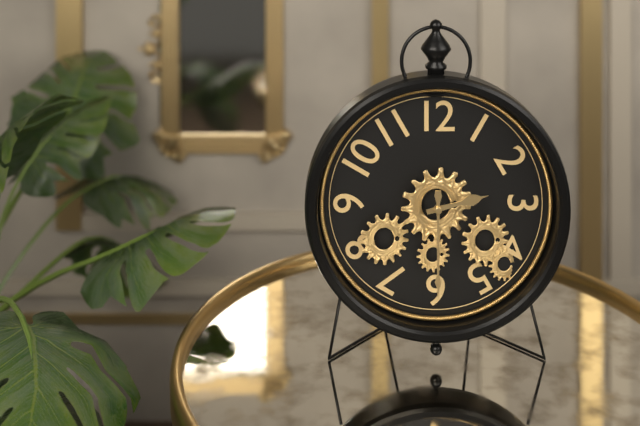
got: h=2 m=30
